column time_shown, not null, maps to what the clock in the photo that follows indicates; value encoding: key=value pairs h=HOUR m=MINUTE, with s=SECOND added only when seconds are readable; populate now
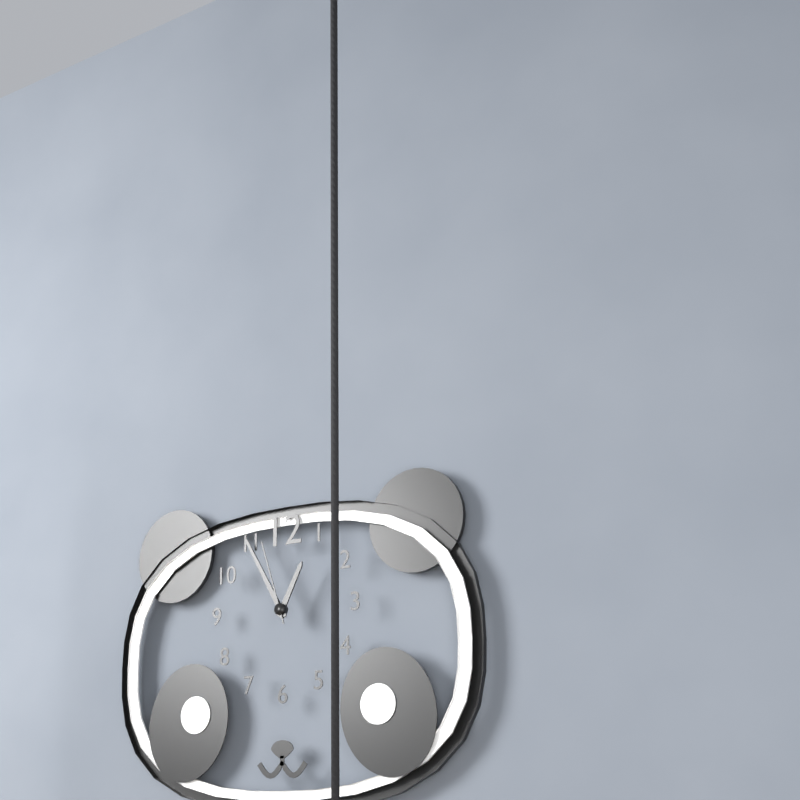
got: h=12 m=55 s=57
